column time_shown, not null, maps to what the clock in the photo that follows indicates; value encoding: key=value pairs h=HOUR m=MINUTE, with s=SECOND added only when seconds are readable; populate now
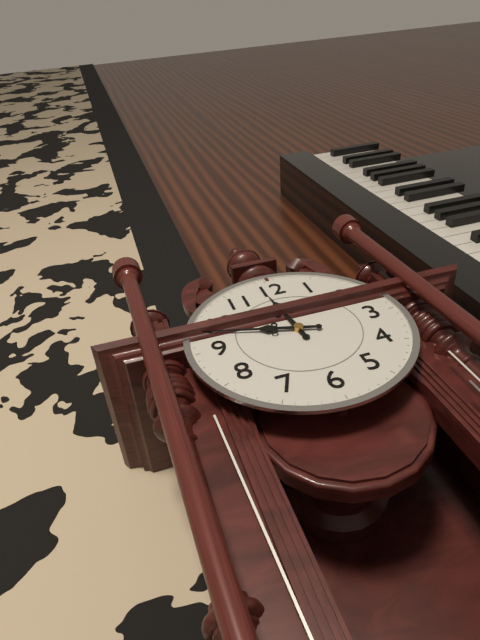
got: h=11 m=48
